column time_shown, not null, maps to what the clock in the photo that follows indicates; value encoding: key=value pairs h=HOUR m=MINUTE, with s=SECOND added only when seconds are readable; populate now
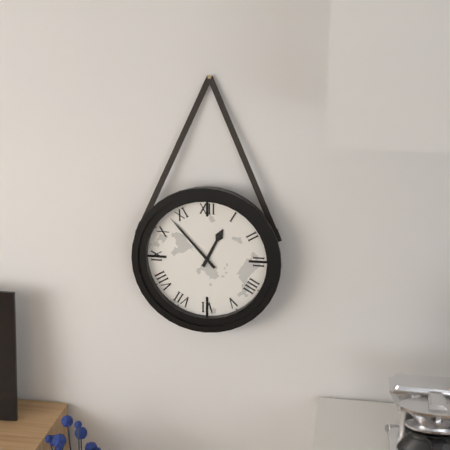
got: h=12 m=53
